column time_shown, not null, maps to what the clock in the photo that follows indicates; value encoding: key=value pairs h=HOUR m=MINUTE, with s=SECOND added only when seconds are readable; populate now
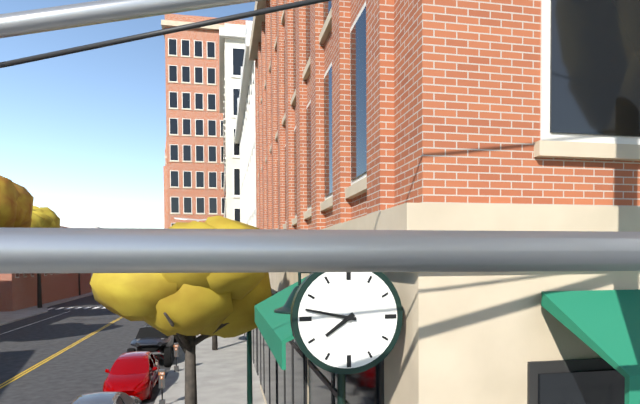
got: h=7 m=47
